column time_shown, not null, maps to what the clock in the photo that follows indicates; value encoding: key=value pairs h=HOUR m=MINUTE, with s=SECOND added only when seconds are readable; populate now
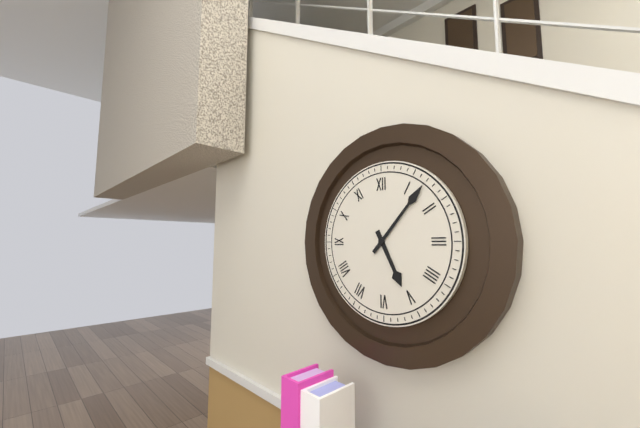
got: h=5 m=7
